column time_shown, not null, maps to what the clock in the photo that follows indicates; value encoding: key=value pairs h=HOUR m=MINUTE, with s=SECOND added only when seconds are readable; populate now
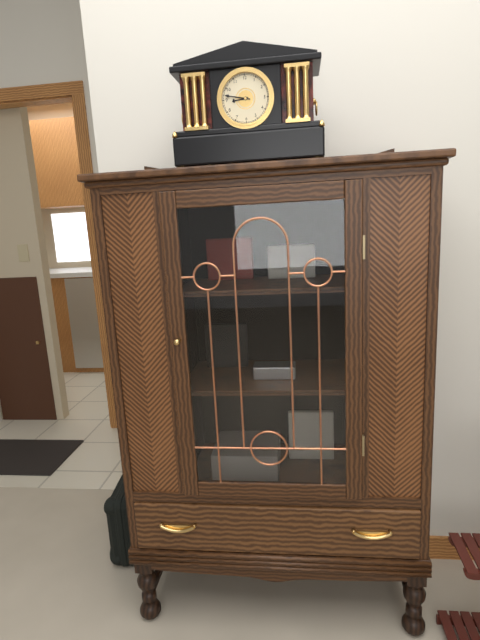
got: h=8 m=47
